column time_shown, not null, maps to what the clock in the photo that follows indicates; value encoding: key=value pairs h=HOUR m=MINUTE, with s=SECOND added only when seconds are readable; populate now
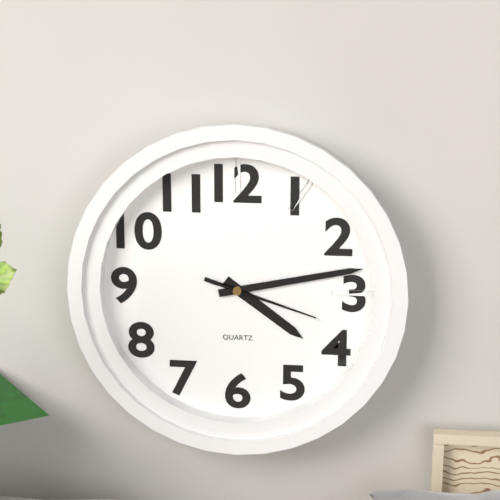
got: h=4 m=13 s=18
